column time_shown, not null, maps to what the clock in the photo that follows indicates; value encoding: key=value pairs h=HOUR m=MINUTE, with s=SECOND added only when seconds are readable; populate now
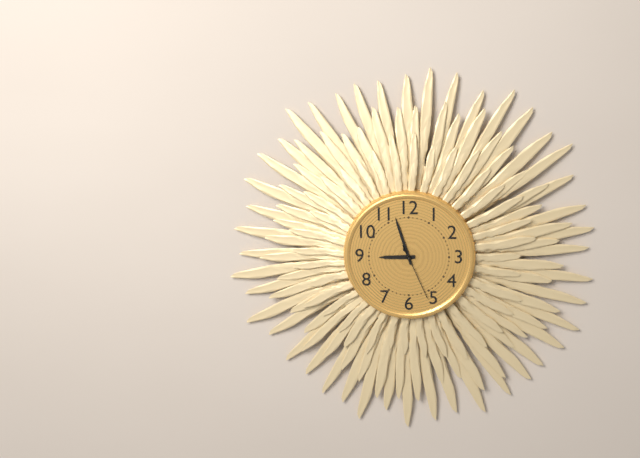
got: h=8 m=57 s=26
